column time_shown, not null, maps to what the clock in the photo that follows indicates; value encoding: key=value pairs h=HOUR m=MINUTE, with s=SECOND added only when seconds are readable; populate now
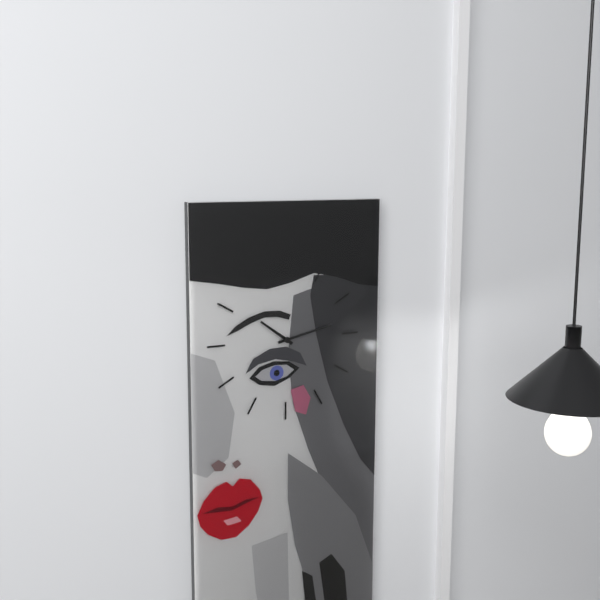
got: h=10 m=13
